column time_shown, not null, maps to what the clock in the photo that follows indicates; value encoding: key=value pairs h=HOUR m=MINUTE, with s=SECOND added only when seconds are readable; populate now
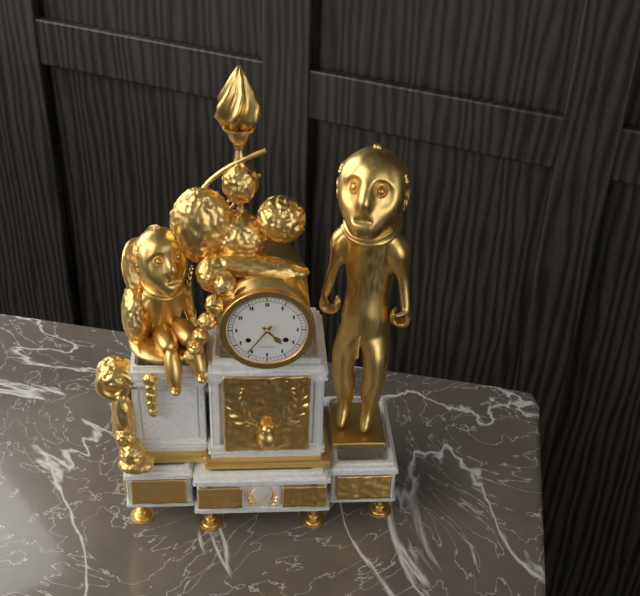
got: h=4 m=36
